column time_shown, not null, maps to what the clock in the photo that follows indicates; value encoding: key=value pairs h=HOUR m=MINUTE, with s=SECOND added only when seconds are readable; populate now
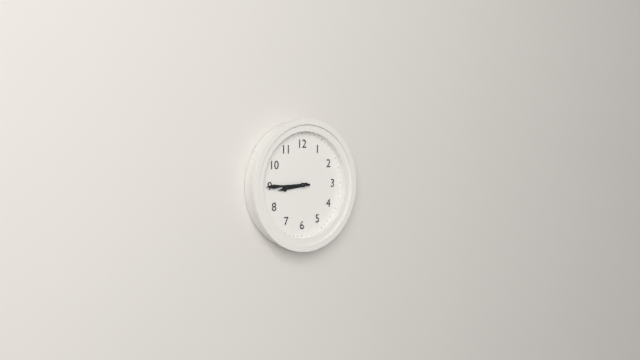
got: h=8 m=45
